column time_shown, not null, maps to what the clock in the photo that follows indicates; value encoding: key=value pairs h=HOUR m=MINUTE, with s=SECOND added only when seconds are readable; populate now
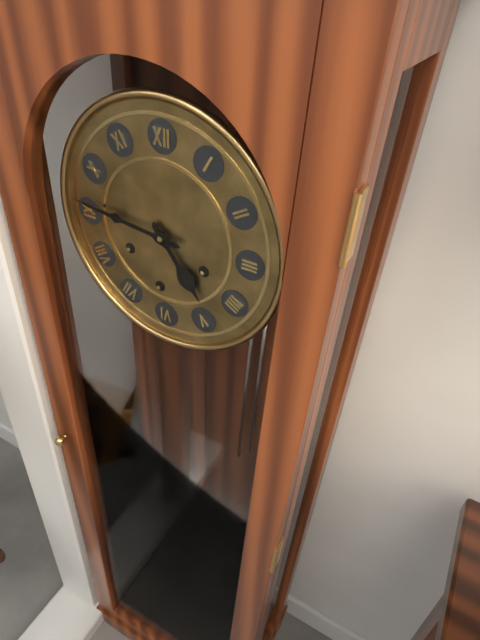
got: h=4 m=46
